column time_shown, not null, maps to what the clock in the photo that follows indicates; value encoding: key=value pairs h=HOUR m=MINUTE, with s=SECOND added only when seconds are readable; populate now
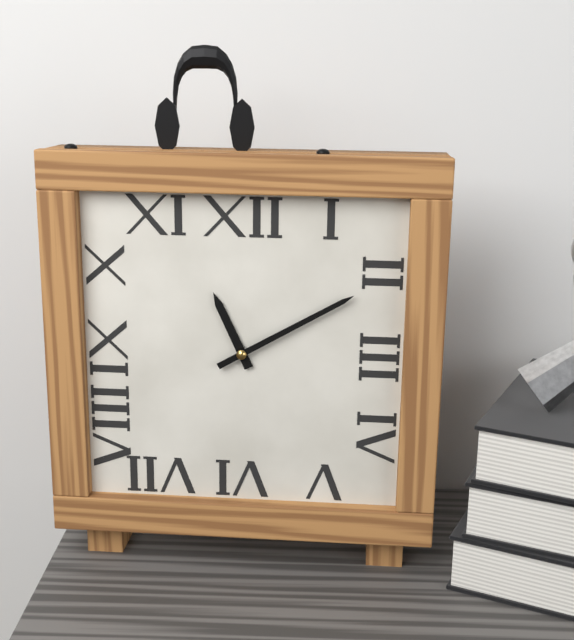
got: h=11 m=10
